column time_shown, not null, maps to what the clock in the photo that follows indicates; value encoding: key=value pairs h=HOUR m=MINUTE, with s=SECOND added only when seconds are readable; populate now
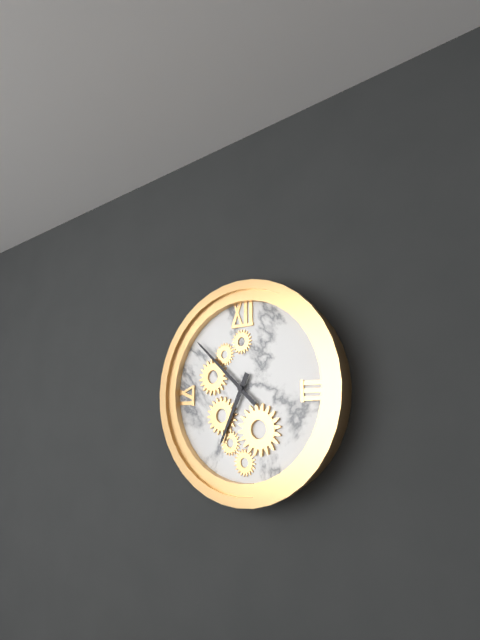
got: h=6 m=52
